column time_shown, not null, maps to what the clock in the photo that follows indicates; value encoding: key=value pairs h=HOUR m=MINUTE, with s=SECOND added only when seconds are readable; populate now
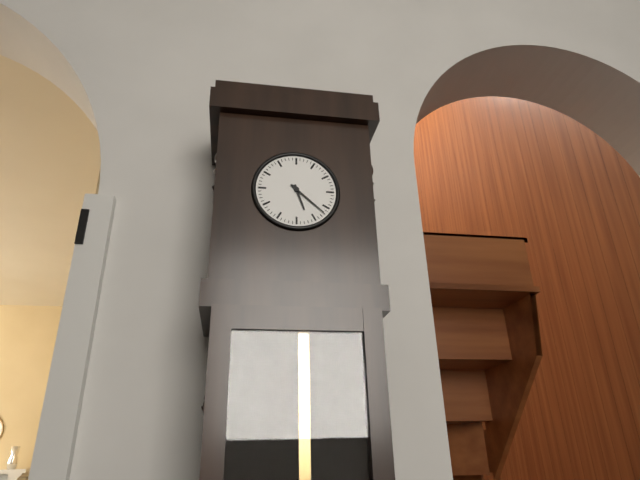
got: h=5 m=22
